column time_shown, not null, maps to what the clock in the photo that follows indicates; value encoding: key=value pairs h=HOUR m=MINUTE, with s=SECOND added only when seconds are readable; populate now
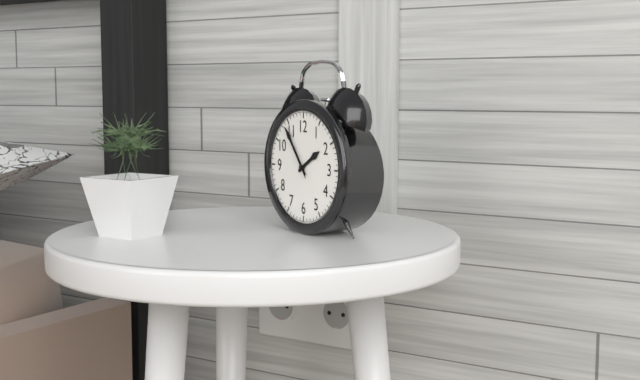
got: h=1 m=54 s=54
